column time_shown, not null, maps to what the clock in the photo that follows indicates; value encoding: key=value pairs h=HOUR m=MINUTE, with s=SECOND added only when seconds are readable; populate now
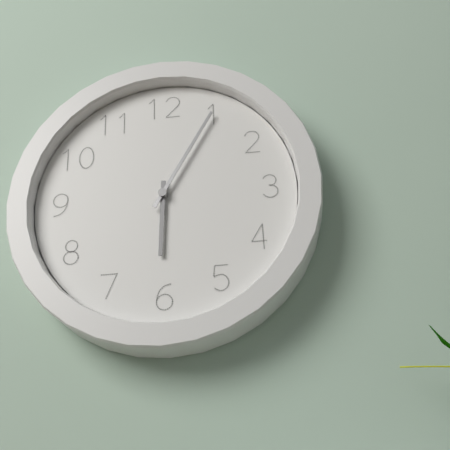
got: h=6 m=5
